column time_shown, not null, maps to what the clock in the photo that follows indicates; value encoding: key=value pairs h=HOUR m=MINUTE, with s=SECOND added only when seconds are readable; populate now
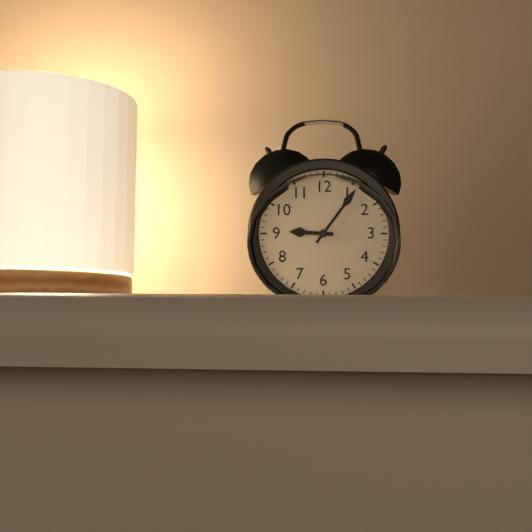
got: h=9 m=6
